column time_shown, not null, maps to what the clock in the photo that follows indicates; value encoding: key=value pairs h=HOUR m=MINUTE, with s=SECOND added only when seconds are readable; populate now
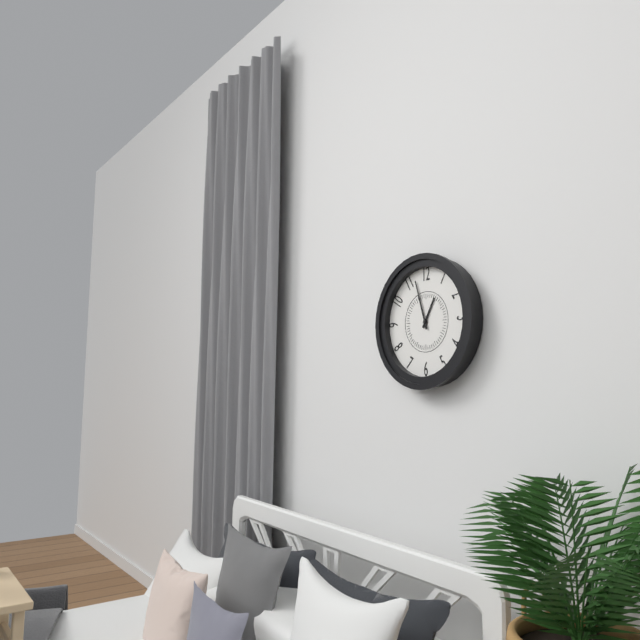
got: h=12 m=57
